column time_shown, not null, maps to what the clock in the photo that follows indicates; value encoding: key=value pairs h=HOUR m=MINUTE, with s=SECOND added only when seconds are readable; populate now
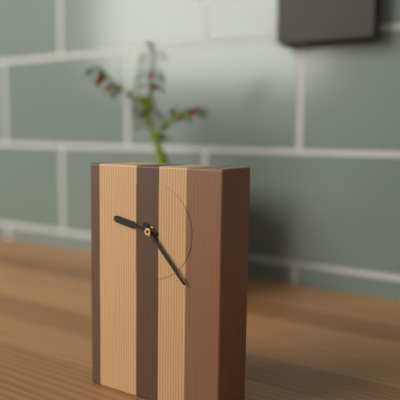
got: h=9 m=23
